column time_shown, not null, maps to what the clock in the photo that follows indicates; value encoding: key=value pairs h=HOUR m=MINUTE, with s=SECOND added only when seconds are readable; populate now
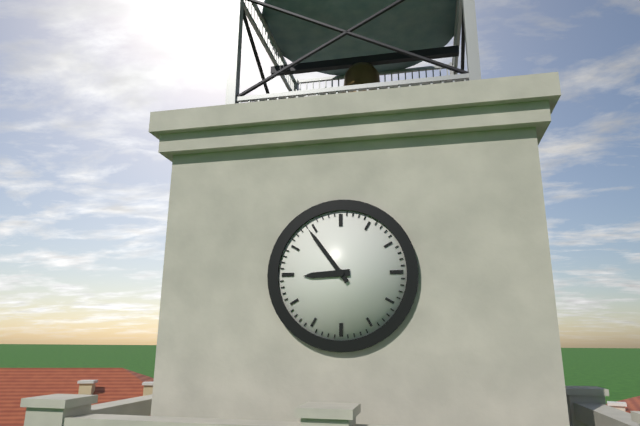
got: h=8 m=54
